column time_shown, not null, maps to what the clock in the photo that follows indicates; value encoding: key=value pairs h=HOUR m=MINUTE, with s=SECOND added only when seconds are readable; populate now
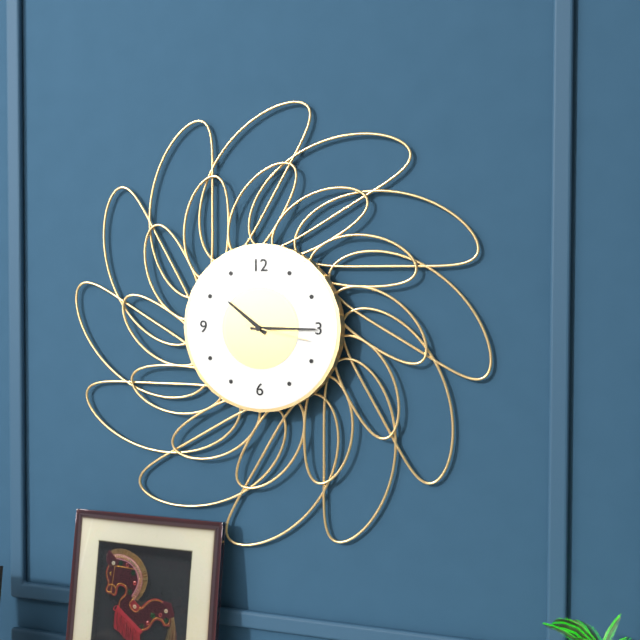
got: h=10 m=15 s=17
